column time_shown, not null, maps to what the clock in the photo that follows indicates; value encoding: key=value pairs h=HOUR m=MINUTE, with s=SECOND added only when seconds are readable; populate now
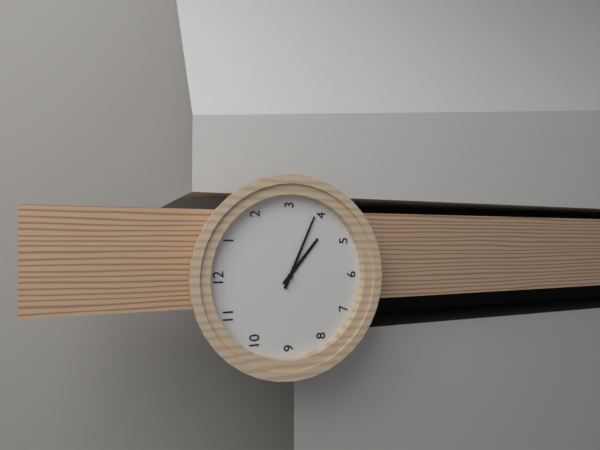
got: h=4 m=19
